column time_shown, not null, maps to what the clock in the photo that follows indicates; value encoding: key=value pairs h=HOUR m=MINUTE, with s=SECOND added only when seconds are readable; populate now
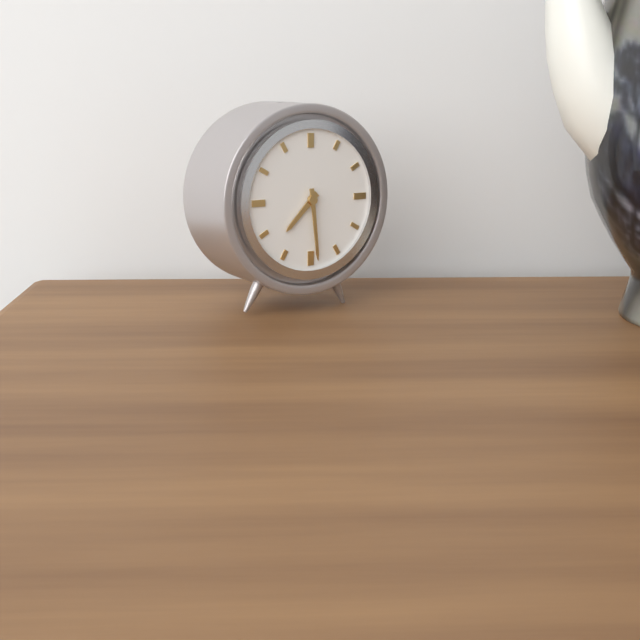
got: h=7 m=29
